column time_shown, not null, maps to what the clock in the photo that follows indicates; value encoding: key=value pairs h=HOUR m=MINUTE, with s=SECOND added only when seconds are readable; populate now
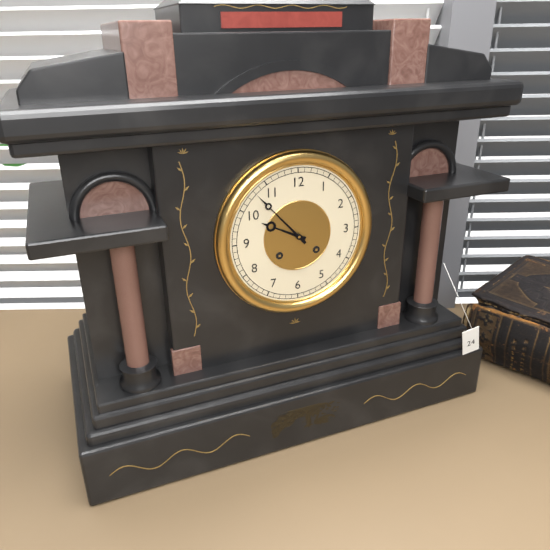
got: h=9 m=53
